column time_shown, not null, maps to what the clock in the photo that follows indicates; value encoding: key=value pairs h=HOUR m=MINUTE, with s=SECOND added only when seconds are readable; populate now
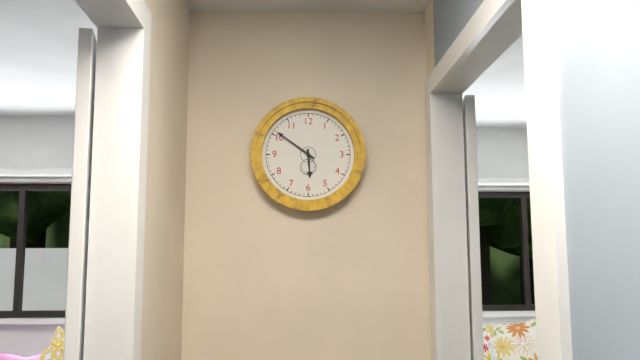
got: h=5 m=51
